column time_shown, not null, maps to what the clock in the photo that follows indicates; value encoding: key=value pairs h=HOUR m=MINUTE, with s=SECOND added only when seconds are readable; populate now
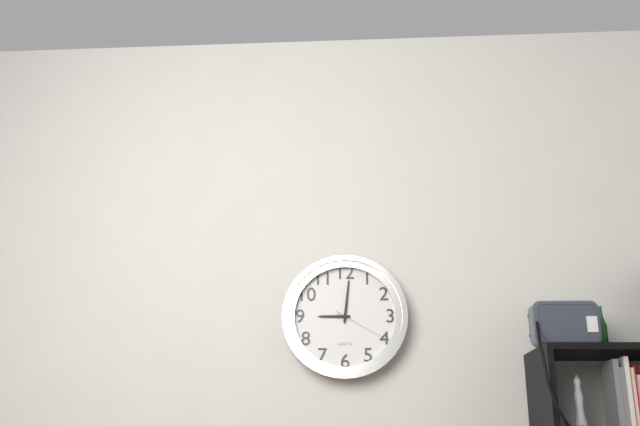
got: h=9 m=1 s=20
